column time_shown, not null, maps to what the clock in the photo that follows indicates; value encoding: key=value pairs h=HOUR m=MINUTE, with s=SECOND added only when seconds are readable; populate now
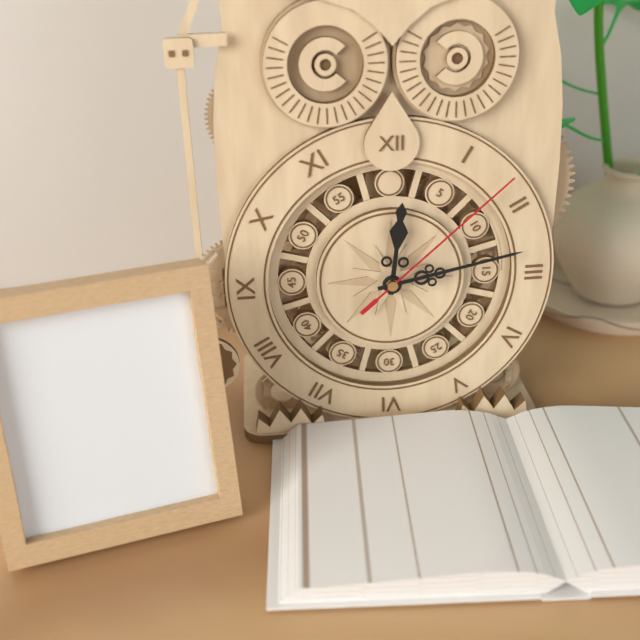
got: h=12 m=13 s=8
